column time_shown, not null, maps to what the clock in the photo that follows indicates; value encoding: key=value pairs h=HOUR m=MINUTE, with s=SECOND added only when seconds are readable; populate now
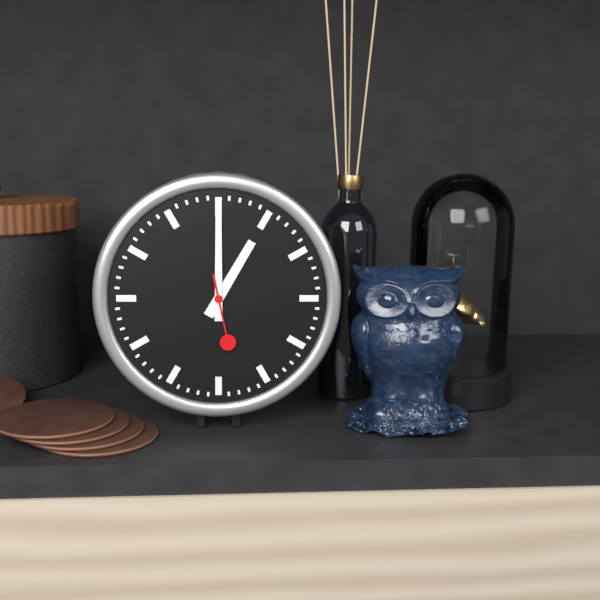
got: h=1 m=0 s=28
